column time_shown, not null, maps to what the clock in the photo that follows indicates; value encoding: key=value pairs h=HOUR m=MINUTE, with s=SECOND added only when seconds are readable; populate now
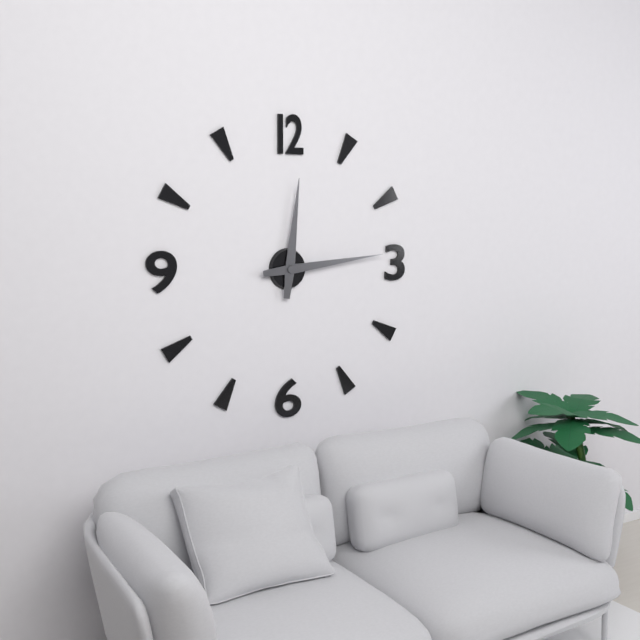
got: h=12 m=14
